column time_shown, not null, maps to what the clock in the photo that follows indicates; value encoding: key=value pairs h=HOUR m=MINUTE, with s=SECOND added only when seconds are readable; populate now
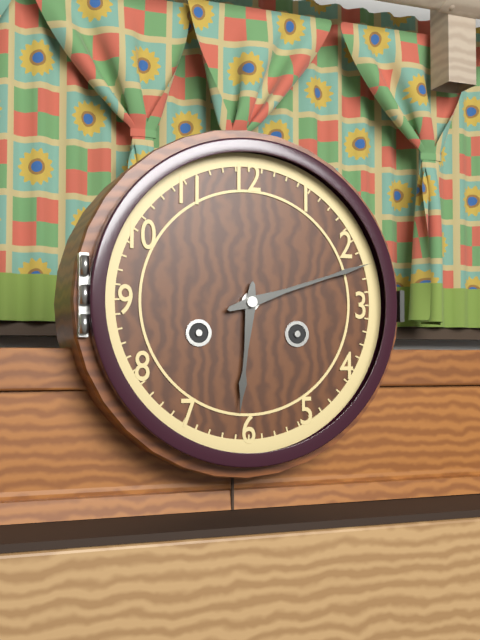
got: h=6 m=12
